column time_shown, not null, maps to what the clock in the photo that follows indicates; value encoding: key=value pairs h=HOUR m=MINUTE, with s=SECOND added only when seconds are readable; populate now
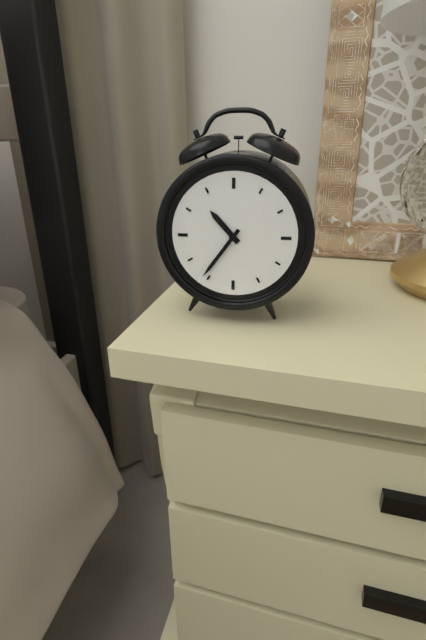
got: h=10 m=36
